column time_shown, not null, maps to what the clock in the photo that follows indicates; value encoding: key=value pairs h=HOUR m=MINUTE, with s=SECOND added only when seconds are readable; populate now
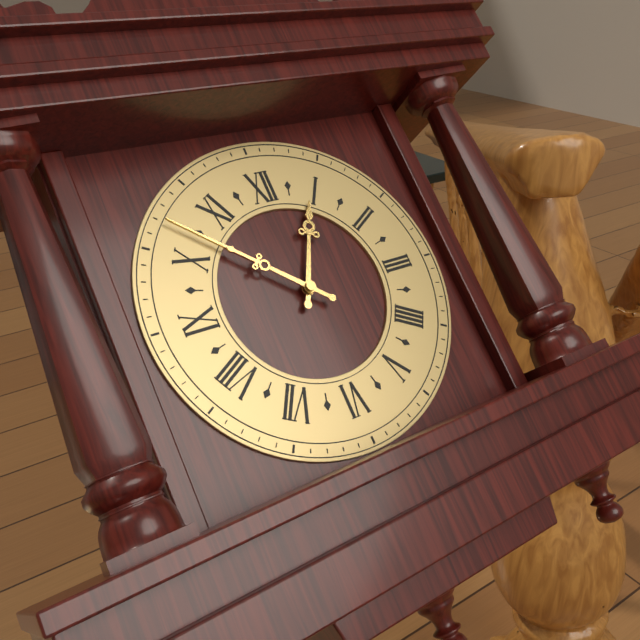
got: h=12 m=52
